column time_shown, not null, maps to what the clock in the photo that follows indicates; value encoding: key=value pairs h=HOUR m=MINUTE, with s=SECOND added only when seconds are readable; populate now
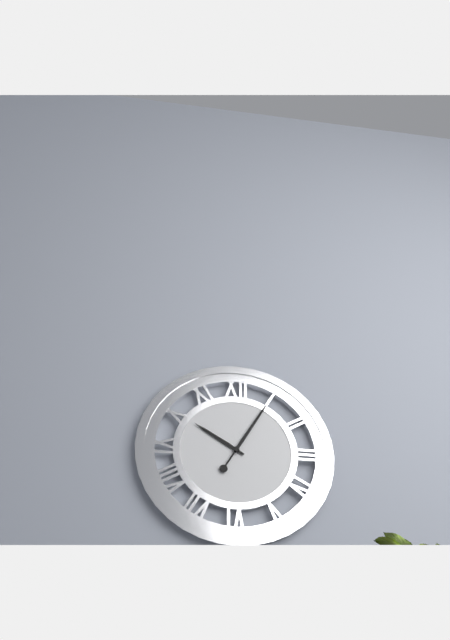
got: h=10 m=5
